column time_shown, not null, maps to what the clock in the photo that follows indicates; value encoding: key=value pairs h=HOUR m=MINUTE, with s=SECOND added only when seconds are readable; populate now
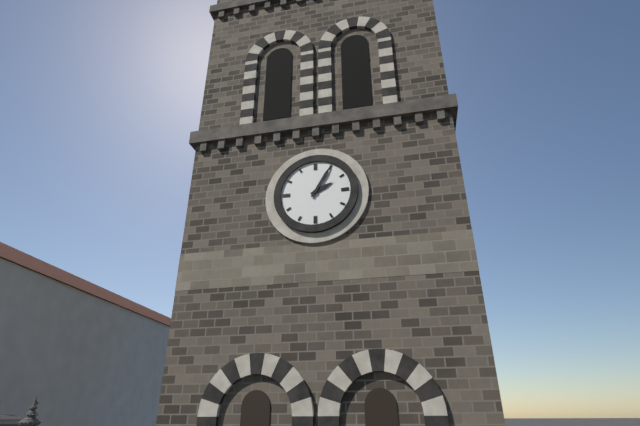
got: h=2 m=5
